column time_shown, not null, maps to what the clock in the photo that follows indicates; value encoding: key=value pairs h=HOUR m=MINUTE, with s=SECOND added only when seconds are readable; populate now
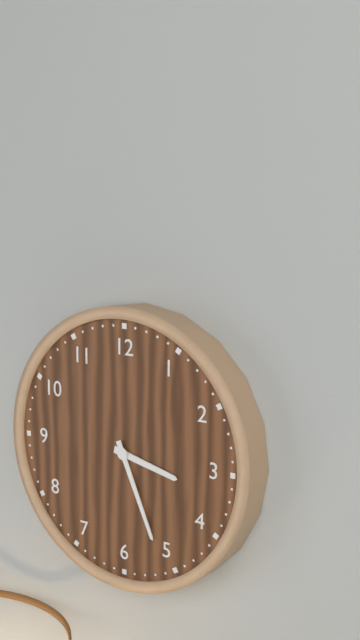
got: h=3 m=26
